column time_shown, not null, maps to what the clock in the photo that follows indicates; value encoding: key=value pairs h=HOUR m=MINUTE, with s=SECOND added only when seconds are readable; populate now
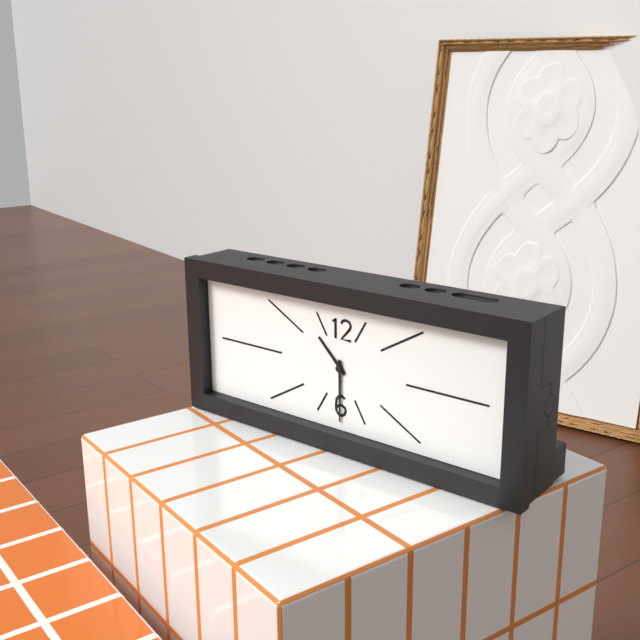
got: h=10 m=30
